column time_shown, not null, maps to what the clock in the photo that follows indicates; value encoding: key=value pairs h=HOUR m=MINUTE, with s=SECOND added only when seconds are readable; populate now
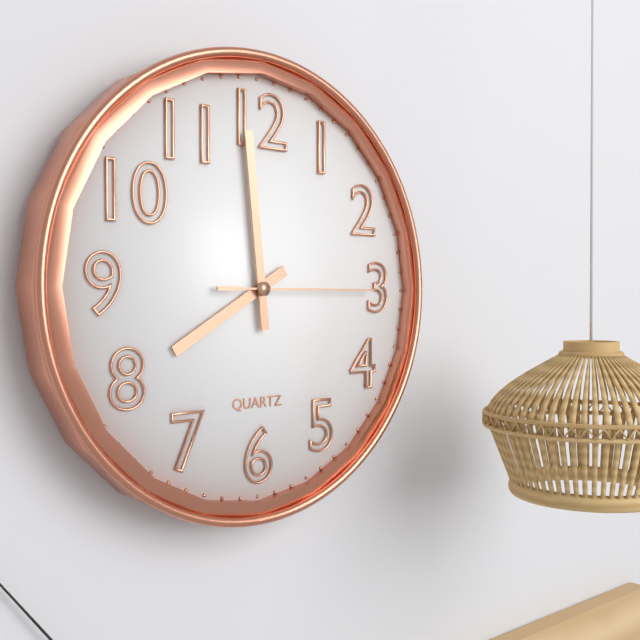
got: h=7 m=59 s=15
